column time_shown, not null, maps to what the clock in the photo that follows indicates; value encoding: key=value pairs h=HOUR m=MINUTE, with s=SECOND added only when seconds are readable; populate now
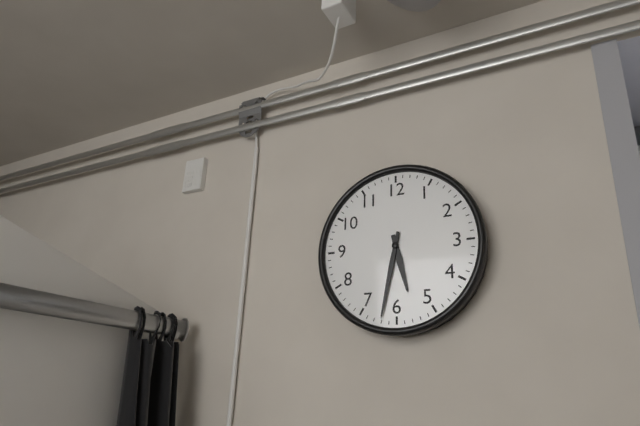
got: h=5 m=32
